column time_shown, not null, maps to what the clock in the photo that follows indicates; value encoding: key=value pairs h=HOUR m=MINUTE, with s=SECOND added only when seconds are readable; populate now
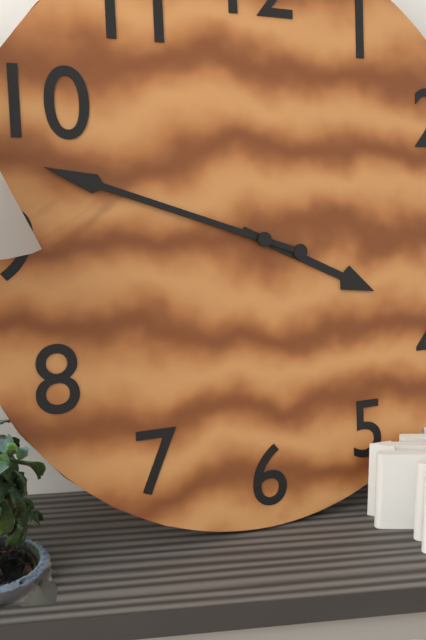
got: h=3 m=48
